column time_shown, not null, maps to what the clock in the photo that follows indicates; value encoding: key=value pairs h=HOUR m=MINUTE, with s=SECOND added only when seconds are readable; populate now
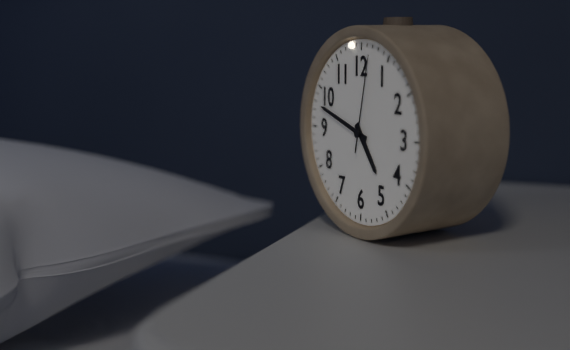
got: h=4 m=48 s=2
